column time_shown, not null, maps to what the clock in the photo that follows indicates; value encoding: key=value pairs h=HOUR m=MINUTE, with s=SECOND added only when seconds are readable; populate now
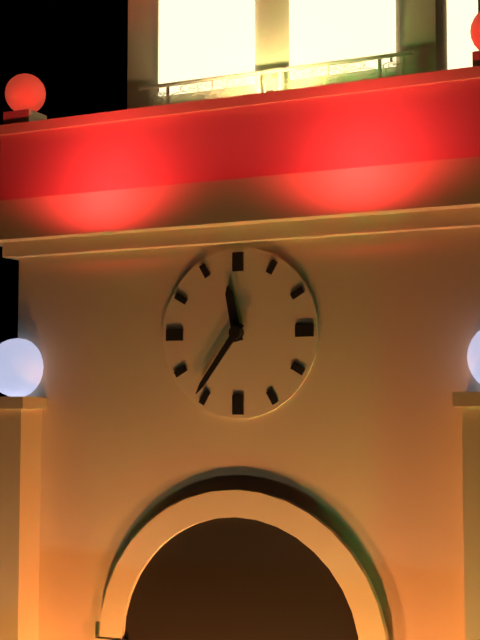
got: h=11 m=36
